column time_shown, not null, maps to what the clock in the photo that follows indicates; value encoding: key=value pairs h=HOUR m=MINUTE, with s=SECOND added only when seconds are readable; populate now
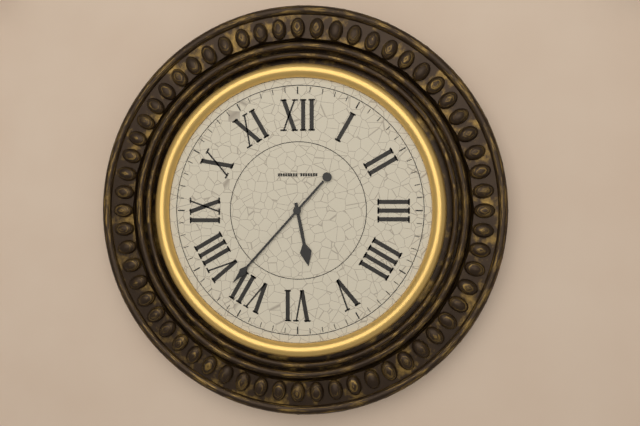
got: h=5 m=37
